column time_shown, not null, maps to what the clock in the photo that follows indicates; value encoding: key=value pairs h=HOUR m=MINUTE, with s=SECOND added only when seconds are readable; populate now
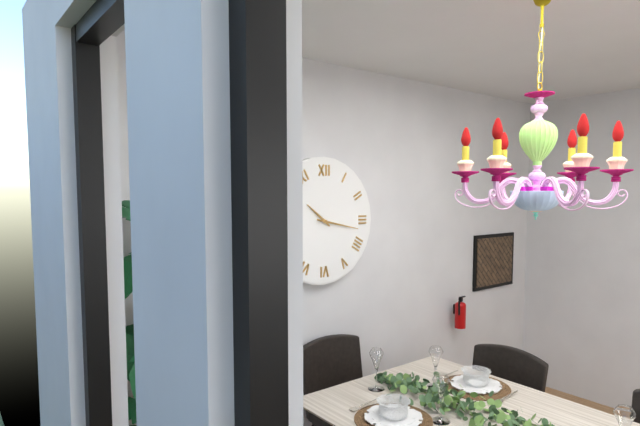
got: h=10 m=17
